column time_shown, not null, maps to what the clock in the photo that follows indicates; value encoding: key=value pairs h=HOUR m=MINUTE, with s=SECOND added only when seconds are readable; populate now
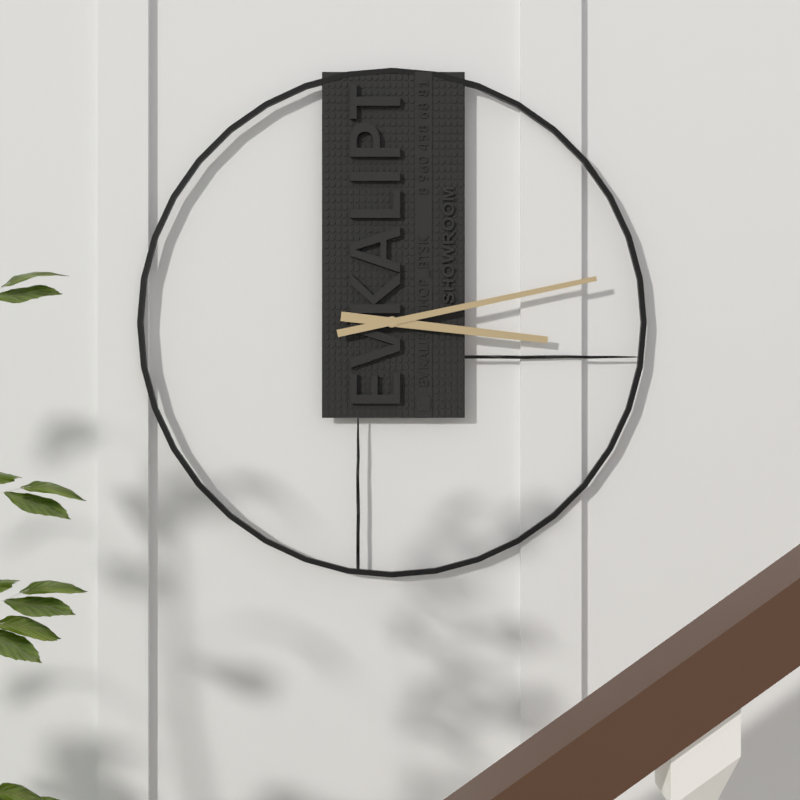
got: h=3 m=13
